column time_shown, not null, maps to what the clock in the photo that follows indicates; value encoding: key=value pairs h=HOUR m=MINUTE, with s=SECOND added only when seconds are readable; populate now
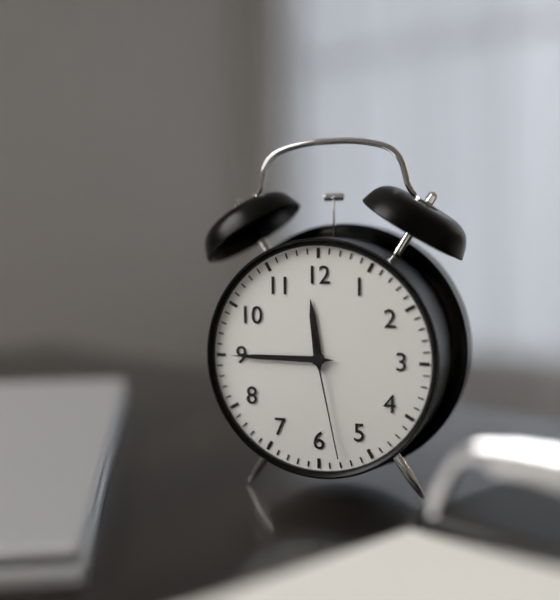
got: h=11 m=45 s=28
